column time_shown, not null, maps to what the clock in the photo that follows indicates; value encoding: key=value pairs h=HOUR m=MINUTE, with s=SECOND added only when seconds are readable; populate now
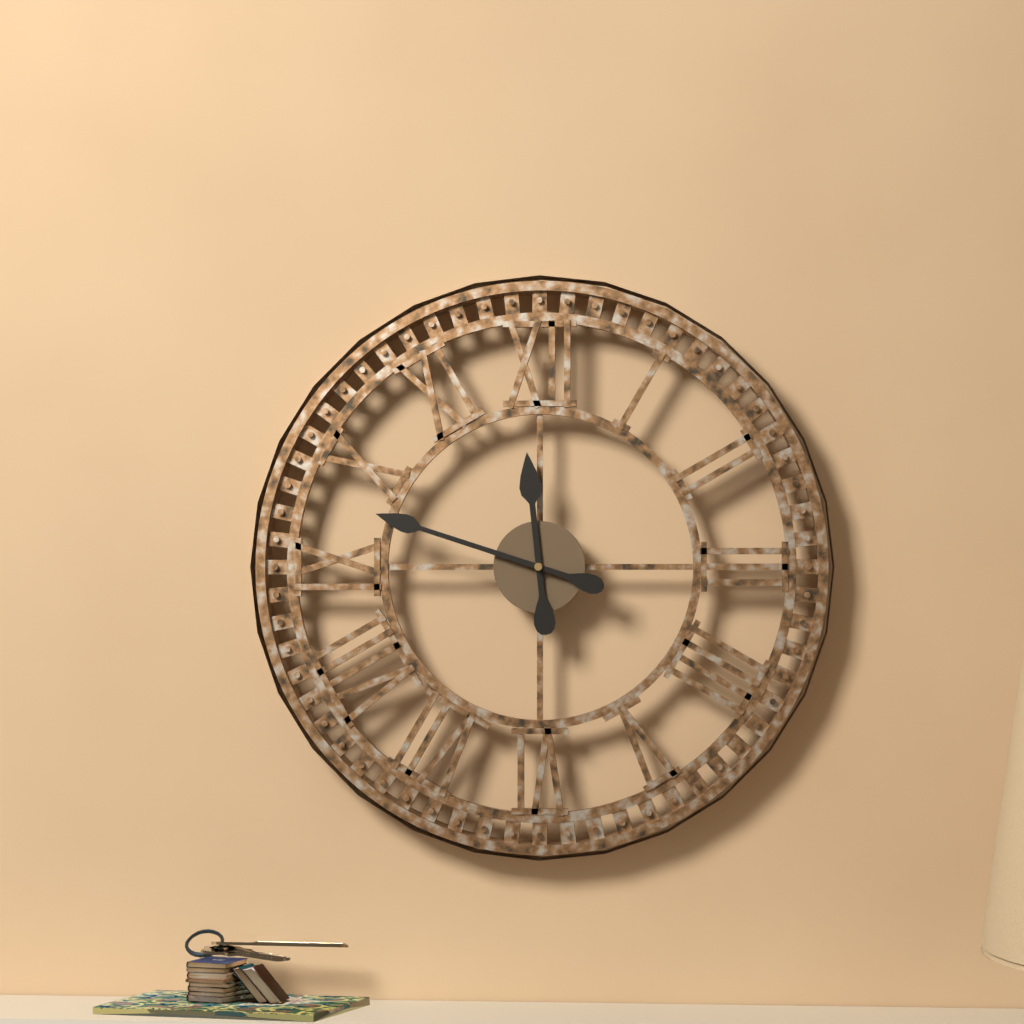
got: h=11 m=48
